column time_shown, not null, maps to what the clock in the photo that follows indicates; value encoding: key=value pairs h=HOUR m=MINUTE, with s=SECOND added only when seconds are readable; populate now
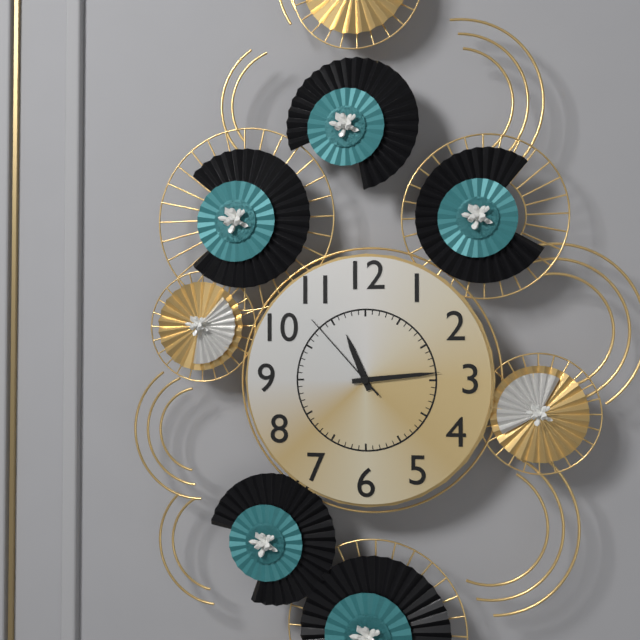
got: h=11 m=14 s=53
